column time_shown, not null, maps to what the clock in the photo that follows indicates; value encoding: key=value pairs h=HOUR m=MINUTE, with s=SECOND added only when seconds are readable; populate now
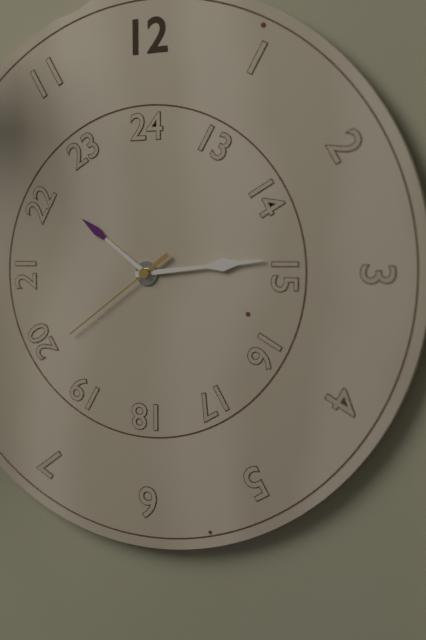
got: h=10 m=14 s=39
